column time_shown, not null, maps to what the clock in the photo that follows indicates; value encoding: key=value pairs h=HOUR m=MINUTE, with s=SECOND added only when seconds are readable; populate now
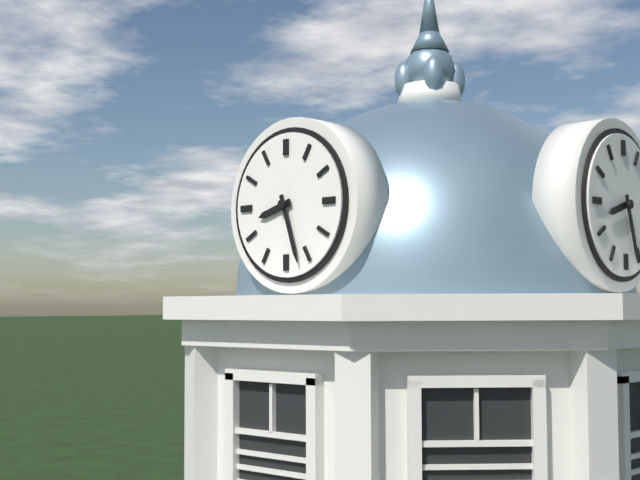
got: h=8 m=27
